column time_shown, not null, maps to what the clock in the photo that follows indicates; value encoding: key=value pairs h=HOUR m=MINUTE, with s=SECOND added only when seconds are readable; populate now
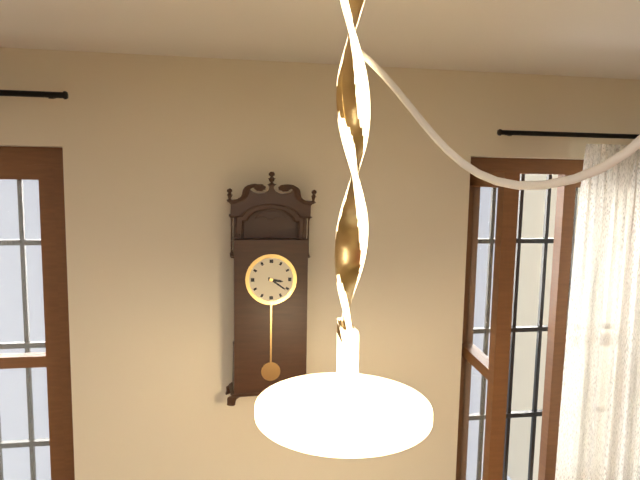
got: h=3 m=21
